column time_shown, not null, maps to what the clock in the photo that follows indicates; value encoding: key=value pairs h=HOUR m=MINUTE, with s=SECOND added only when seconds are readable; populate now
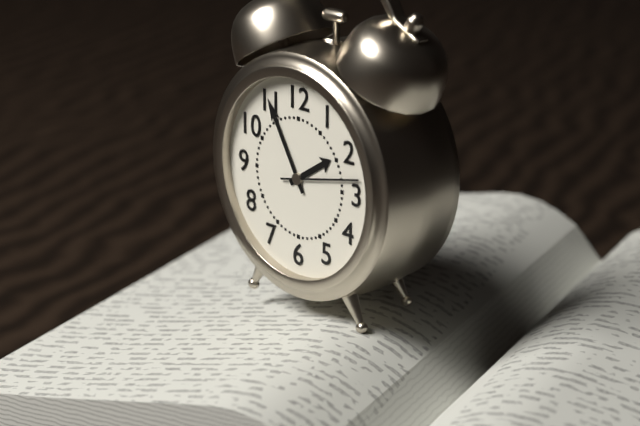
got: h=1 m=55 s=13
